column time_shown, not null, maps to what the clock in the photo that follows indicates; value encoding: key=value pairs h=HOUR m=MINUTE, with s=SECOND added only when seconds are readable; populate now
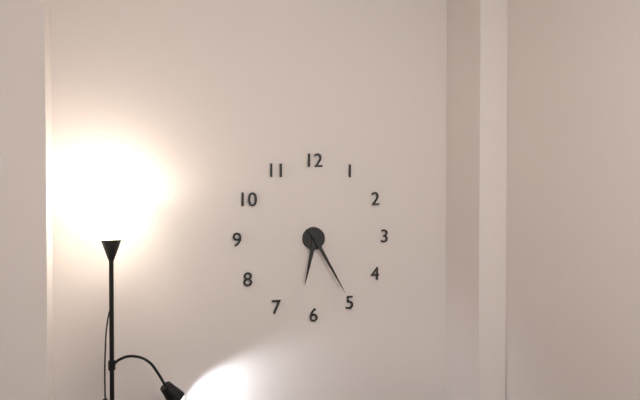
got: h=6 m=25
